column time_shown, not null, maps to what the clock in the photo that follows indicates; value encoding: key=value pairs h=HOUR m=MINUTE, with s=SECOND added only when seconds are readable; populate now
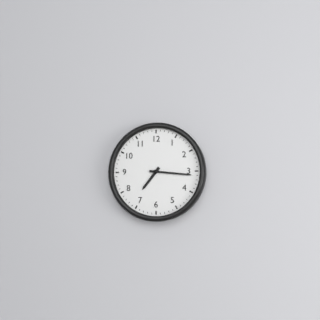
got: h=7 m=16
